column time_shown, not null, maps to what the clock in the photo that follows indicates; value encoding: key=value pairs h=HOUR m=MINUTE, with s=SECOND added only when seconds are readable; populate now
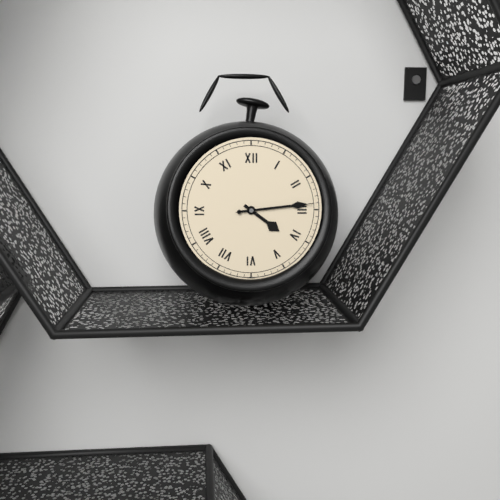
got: h=4 m=14 s=14
